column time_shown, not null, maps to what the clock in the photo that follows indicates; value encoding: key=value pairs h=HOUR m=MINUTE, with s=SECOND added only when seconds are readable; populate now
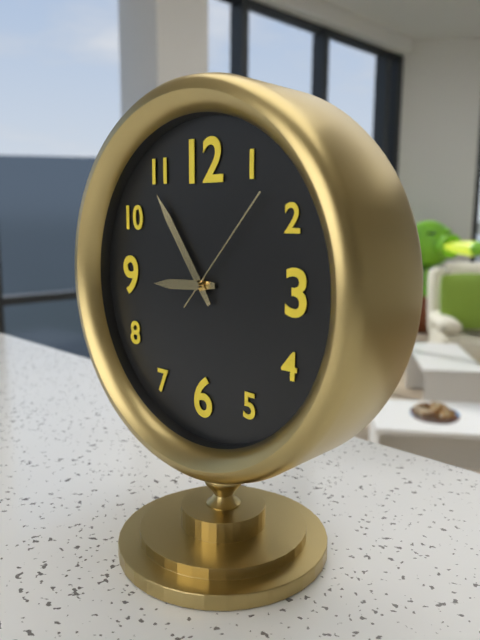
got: h=8 m=54 s=7
